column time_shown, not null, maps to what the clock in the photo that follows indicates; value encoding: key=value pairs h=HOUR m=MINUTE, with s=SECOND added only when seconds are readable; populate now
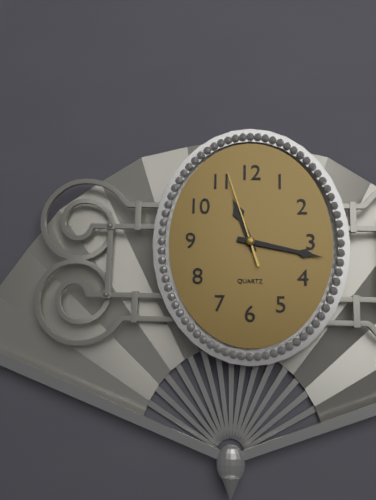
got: h=11 m=17 s=57
